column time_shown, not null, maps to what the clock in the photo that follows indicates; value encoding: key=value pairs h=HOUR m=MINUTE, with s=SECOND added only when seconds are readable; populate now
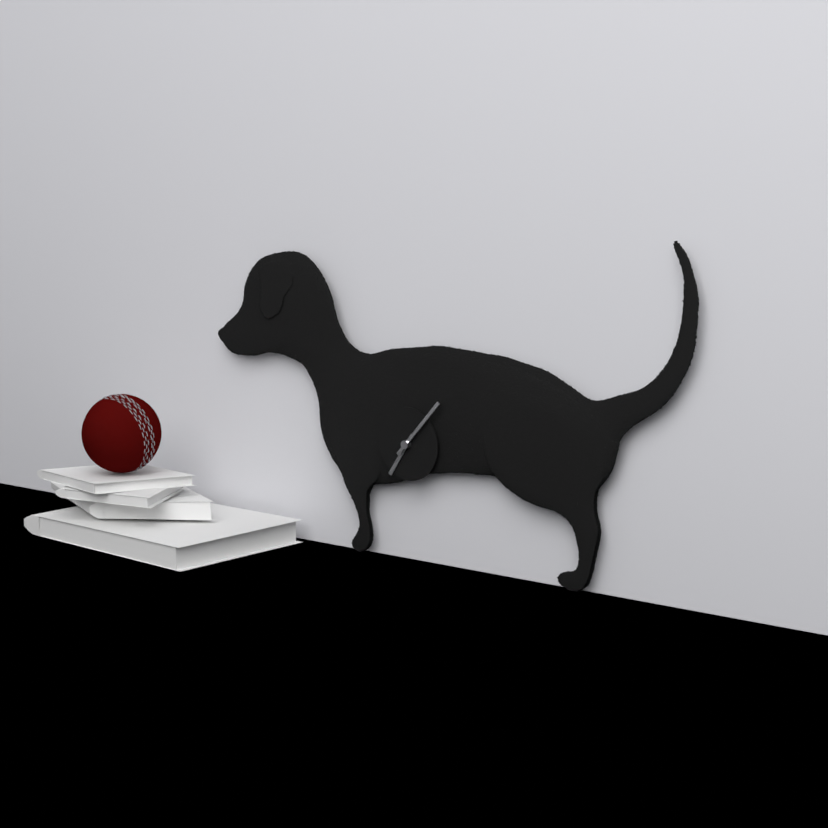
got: h=7 m=7
